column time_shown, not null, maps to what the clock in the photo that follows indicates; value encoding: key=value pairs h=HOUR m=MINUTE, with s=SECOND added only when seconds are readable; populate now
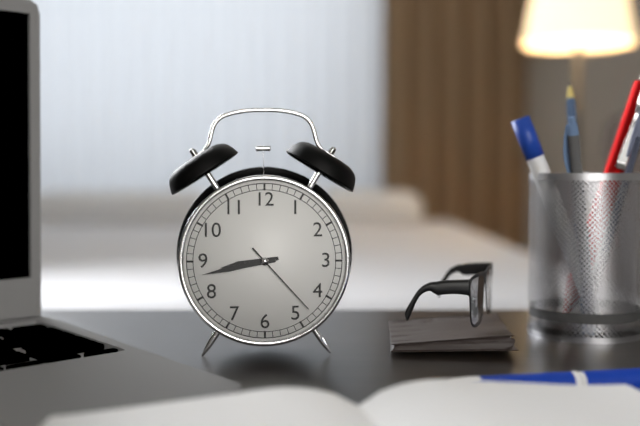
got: h=8 m=43 s=23
